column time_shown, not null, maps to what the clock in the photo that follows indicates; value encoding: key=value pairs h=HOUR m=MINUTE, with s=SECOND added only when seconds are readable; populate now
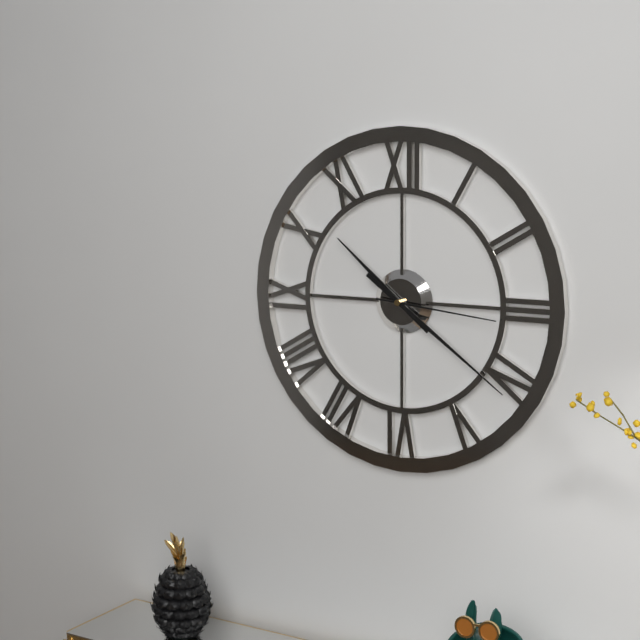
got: h=10 m=21 s=16
